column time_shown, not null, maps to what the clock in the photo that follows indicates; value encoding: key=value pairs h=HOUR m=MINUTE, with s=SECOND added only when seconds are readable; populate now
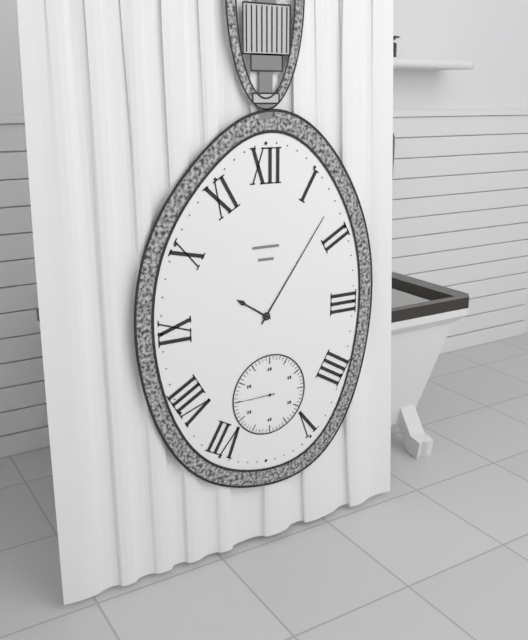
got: h=10 m=6
